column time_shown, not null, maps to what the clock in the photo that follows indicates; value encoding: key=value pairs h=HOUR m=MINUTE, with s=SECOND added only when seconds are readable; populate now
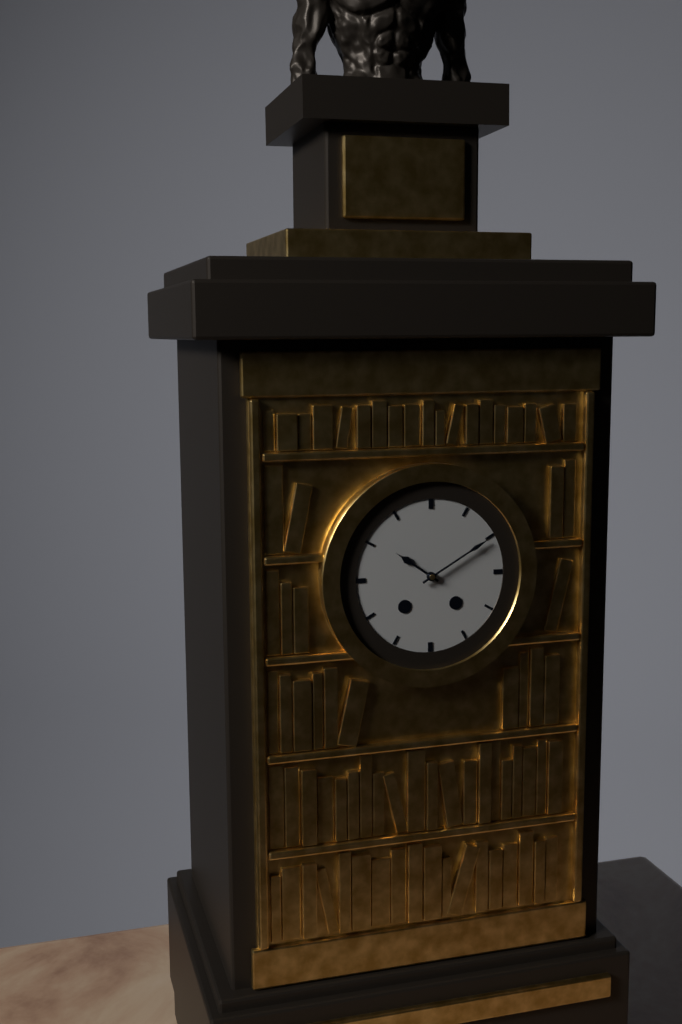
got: h=10 m=10
